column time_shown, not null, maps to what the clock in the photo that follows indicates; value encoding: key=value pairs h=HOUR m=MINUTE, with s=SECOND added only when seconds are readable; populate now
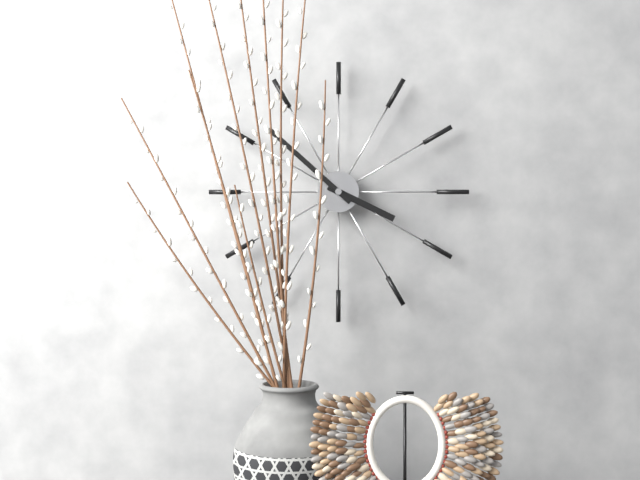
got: h=3 m=52
